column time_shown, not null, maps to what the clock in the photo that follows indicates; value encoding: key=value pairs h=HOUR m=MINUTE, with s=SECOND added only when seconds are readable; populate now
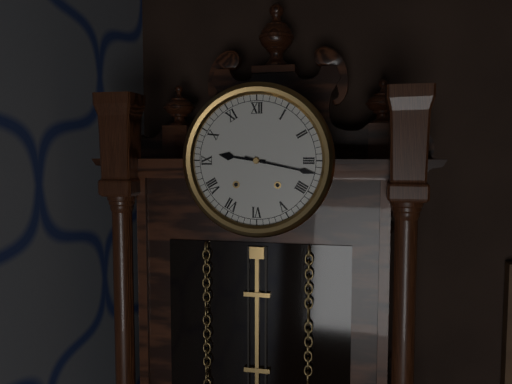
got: h=9 m=17
